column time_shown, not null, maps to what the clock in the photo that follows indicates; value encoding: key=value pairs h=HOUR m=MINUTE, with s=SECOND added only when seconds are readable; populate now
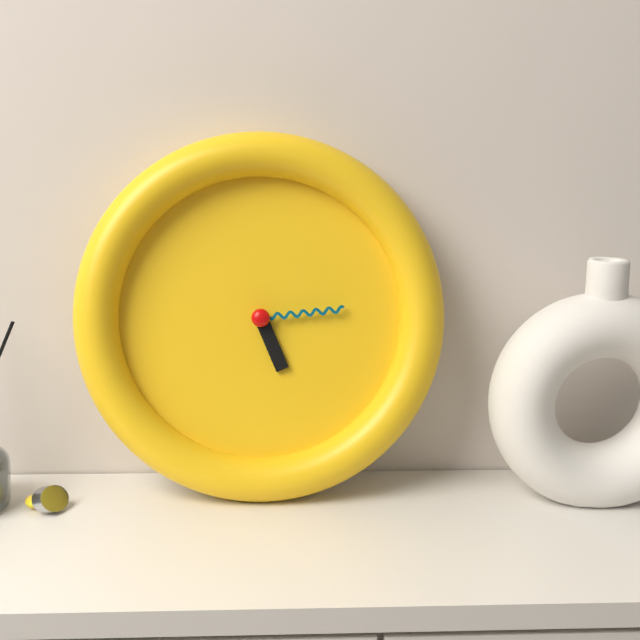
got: h=5 m=14
